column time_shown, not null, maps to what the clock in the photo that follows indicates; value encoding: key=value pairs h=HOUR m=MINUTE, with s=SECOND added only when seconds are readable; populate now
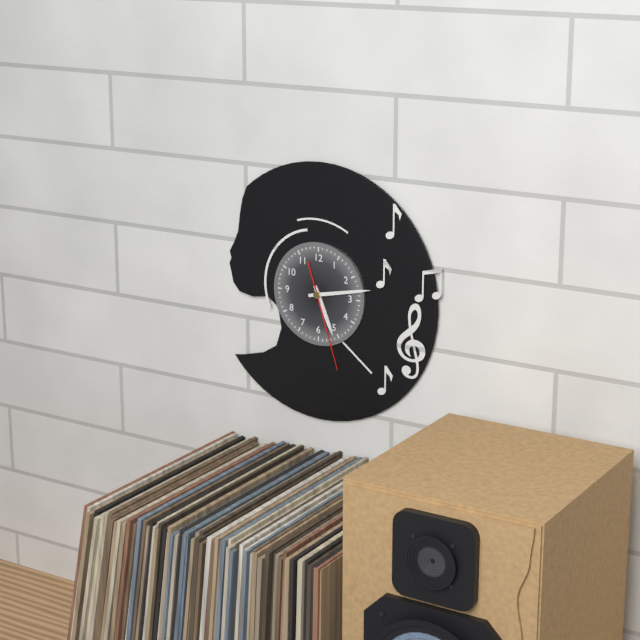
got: h=5 m=13 s=27
